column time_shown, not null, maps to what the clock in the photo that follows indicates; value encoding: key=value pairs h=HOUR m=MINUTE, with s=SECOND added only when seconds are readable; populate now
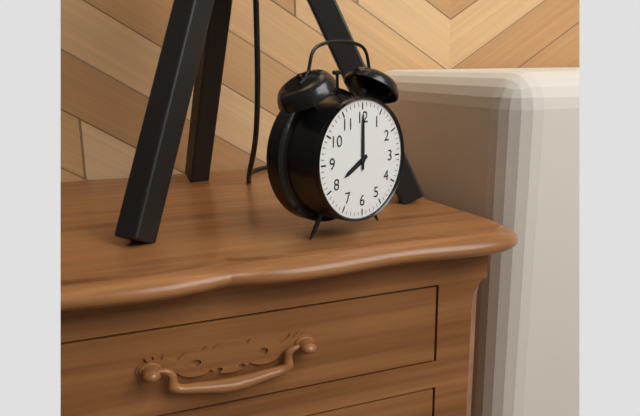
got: h=8 m=0
